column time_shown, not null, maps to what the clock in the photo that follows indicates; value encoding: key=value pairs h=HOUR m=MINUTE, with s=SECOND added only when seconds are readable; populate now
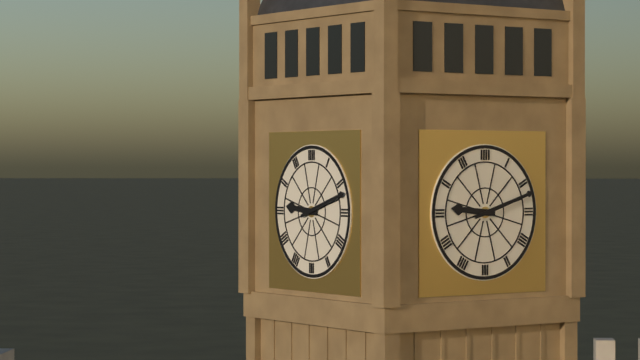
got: h=9 m=12
